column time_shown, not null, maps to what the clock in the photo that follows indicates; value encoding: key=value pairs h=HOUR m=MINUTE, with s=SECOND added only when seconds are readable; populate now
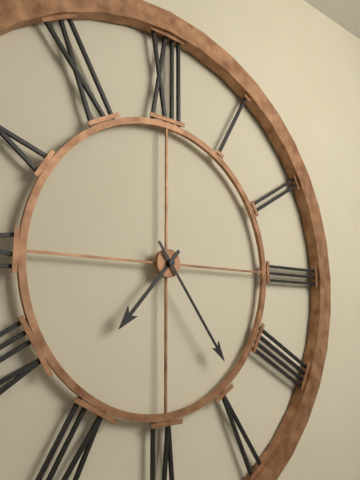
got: h=7 m=24
